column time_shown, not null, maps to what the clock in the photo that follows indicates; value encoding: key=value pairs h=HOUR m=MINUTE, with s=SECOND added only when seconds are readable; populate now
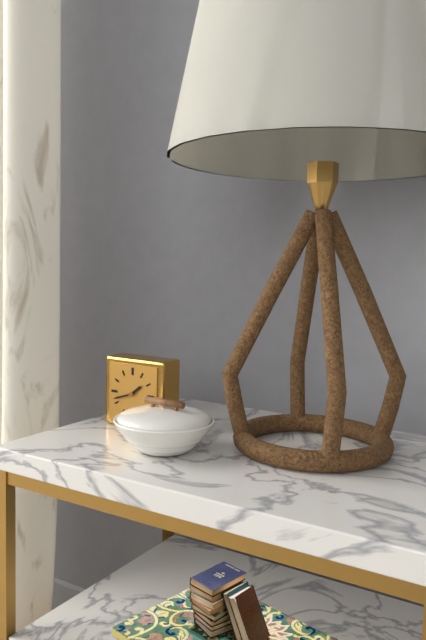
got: h=1 m=42
